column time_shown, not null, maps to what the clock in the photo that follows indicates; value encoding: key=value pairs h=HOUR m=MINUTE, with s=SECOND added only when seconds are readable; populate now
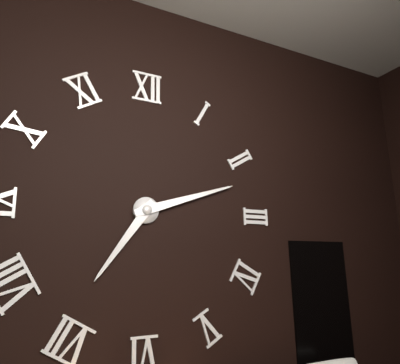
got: h=7 m=12
